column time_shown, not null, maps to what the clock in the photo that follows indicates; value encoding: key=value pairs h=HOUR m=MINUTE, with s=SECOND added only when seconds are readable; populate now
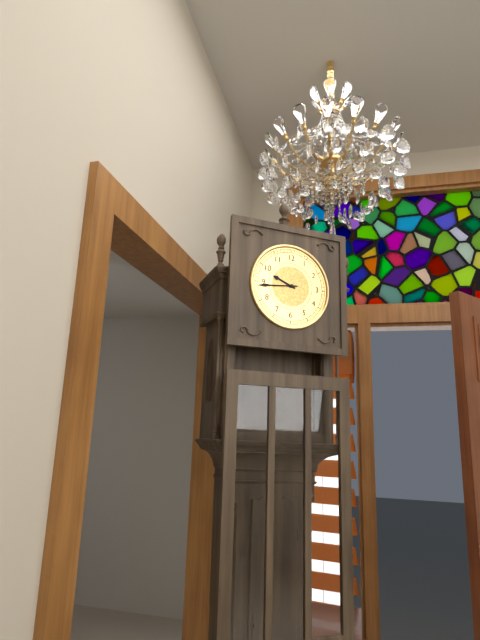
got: h=9 m=44
